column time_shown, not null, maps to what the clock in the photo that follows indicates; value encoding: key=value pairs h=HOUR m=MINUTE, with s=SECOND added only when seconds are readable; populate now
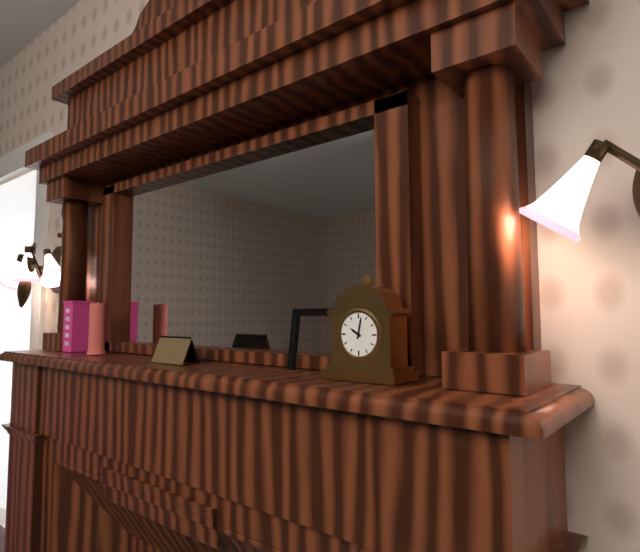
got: h=10 m=2
